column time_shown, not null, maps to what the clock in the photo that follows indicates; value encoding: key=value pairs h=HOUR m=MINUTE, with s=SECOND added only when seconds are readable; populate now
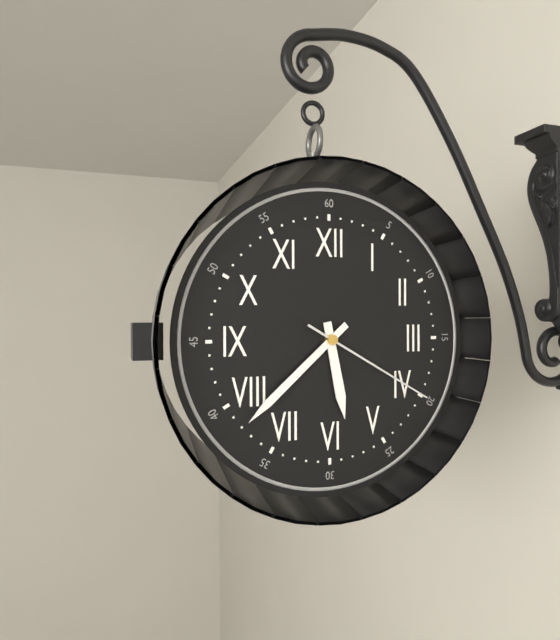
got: h=5 m=38 s=20
